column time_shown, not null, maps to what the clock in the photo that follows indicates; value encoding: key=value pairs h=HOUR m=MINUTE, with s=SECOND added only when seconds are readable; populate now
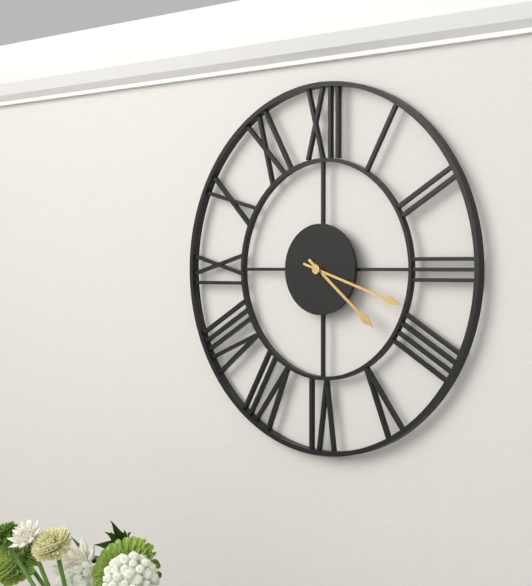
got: h=4 m=18
